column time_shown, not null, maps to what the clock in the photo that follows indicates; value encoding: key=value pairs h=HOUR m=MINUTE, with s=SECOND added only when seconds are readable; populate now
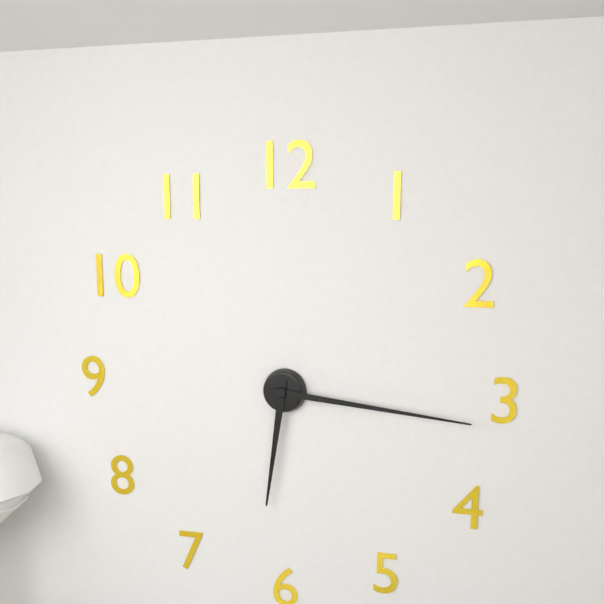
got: h=6 m=16
